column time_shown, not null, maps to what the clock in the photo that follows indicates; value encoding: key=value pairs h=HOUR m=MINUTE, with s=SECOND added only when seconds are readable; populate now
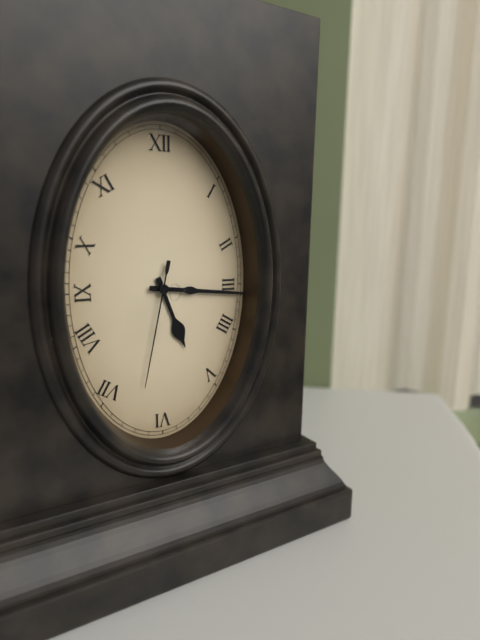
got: h=5 m=16 s=32
